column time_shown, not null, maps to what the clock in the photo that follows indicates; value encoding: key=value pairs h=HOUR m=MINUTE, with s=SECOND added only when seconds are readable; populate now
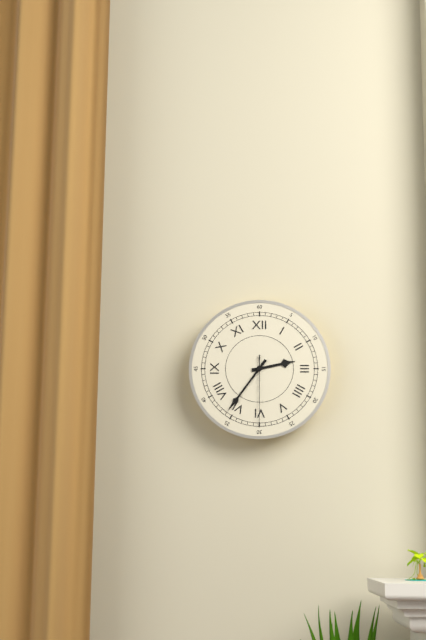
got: h=2 m=36 s=30
